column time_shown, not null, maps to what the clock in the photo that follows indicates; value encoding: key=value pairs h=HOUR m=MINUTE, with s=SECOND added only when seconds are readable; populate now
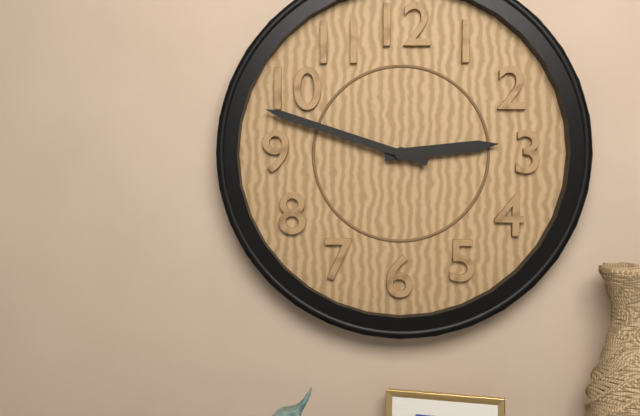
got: h=2 m=48
